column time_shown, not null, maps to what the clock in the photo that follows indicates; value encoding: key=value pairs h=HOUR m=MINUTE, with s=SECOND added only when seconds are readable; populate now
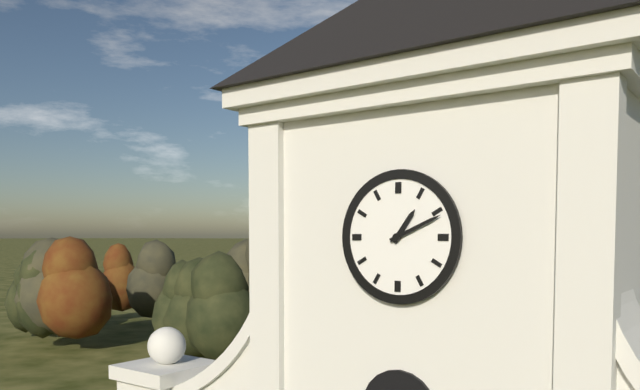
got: h=1 m=11
